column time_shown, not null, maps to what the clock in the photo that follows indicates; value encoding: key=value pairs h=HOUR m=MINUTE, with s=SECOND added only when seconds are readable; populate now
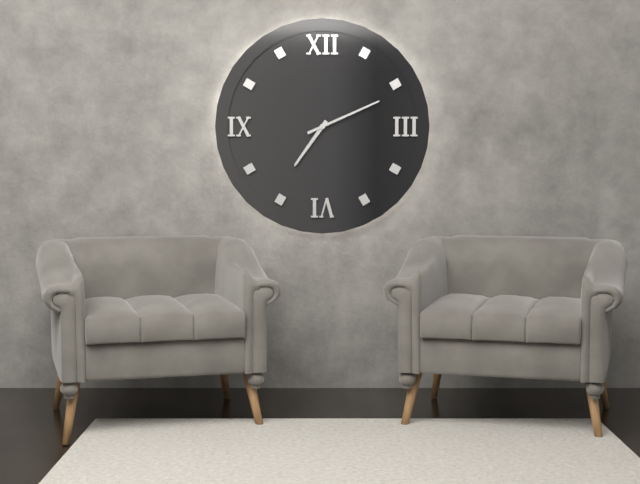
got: h=7 m=11
